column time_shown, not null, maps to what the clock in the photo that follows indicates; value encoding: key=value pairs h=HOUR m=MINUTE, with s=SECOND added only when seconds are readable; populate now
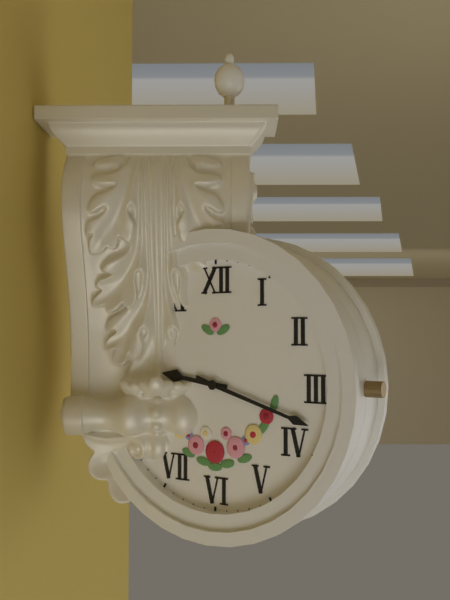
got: h=9 m=18
